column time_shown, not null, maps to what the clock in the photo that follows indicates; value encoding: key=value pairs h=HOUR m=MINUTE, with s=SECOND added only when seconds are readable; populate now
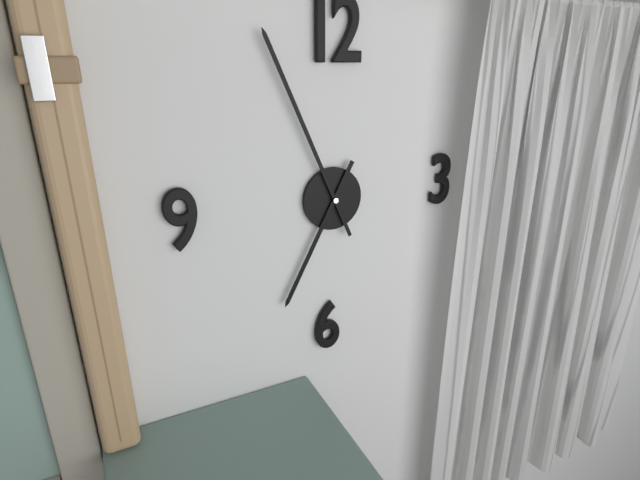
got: h=6 m=56
